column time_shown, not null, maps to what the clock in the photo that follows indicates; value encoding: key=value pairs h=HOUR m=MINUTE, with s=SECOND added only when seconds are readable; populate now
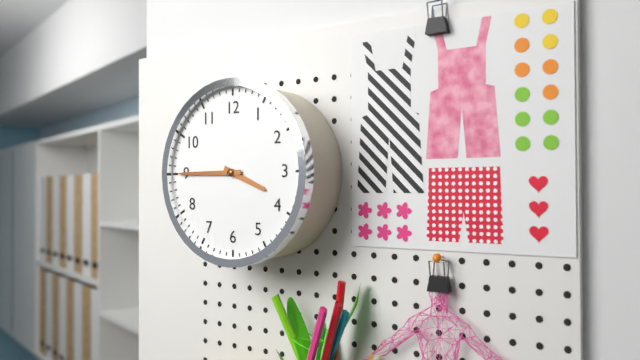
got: h=3 m=45
